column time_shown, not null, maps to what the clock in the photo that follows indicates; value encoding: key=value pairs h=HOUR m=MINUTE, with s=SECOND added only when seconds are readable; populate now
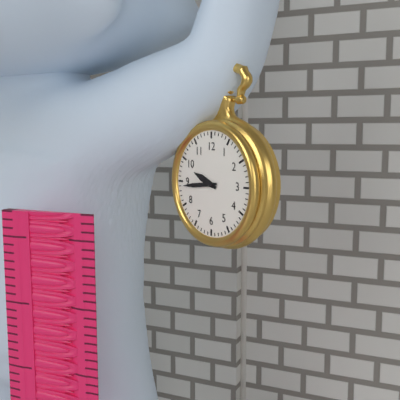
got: h=9 m=44
